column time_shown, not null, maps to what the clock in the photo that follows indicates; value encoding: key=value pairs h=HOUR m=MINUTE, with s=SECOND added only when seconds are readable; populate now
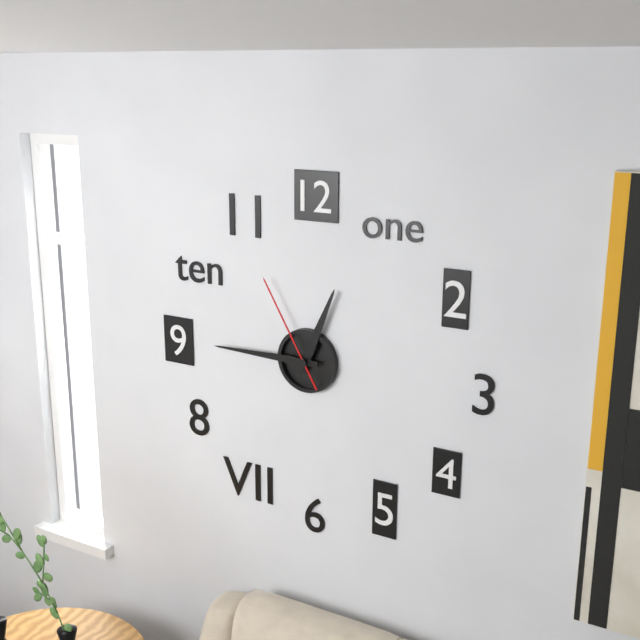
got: h=12 m=45 s=55
